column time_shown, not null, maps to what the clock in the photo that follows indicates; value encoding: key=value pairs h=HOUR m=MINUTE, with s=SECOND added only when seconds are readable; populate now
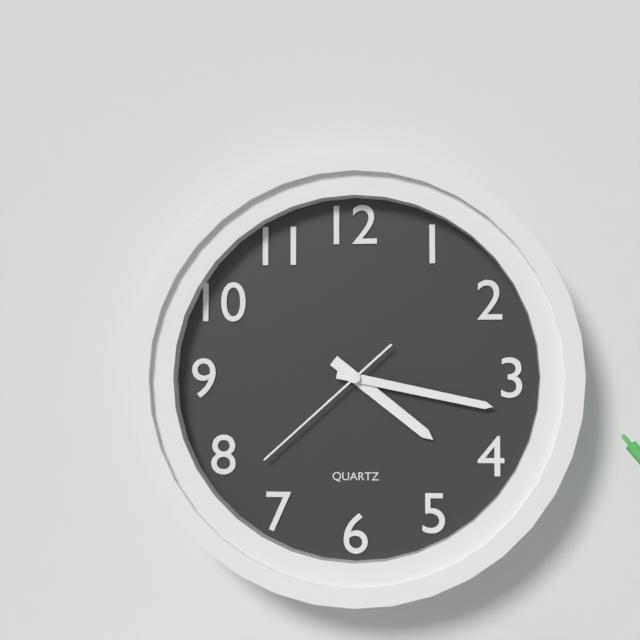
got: h=4 m=17 s=38
